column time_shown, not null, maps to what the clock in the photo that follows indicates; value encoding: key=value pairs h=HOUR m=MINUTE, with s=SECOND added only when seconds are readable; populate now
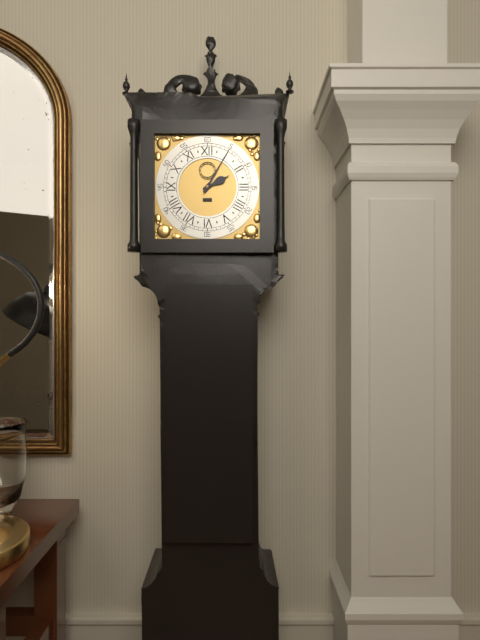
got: h=2 m=5
